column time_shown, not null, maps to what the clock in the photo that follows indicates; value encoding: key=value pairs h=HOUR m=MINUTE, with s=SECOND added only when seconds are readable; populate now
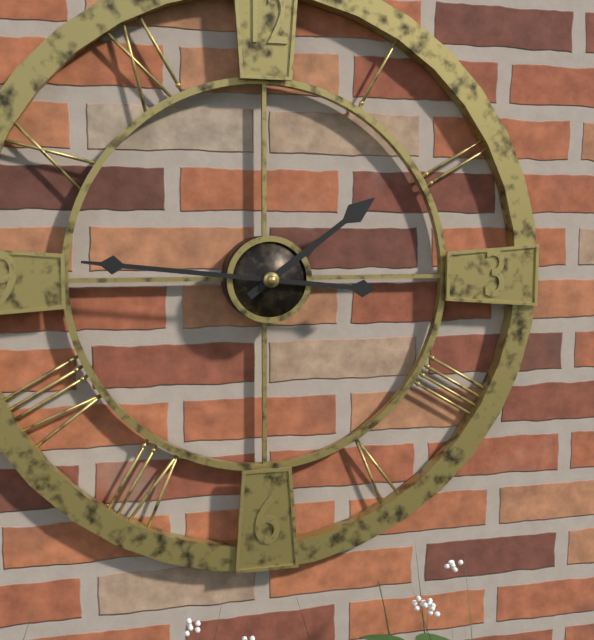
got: h=1 m=46
